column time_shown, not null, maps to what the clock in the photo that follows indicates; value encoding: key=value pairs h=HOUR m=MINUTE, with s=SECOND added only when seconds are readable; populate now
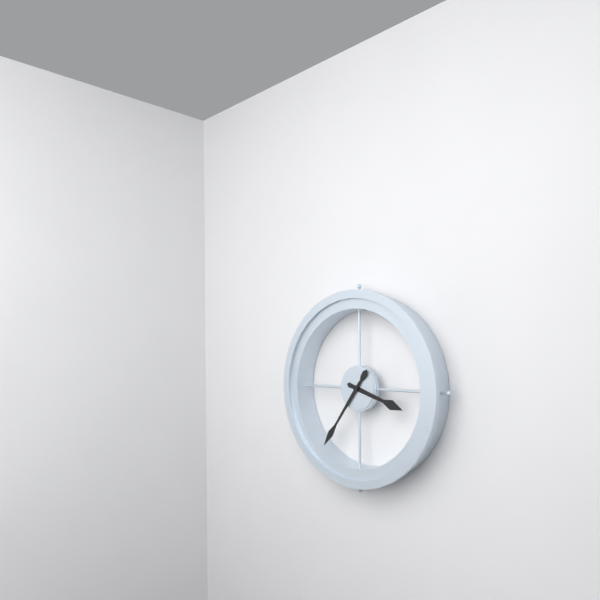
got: h=3 m=36
